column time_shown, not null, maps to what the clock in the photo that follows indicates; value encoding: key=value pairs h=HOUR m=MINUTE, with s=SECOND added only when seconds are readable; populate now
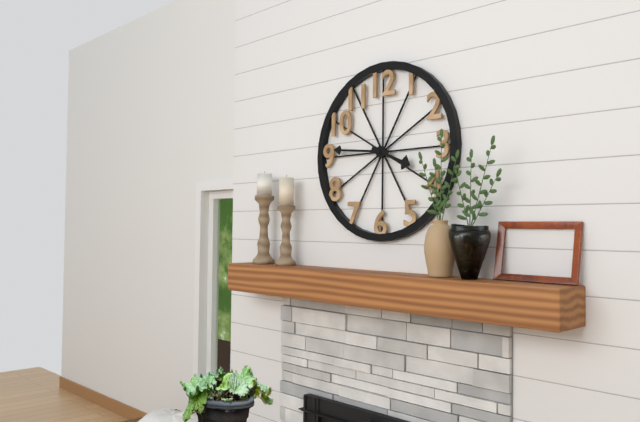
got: h=3 m=46
